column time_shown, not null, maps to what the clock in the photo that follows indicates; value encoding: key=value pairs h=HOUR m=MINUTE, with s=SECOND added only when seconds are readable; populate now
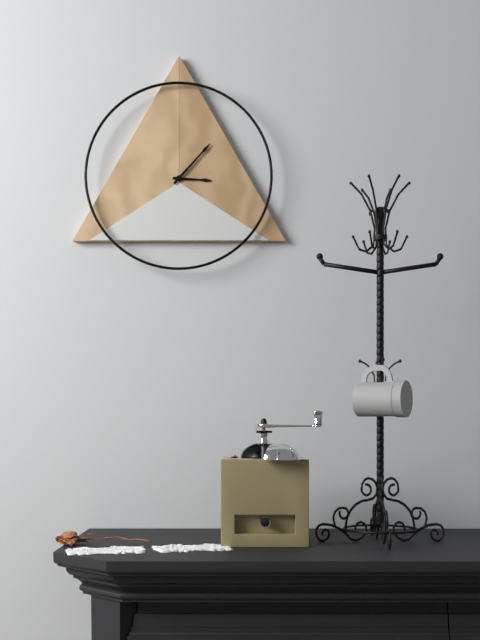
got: h=3 m=7
